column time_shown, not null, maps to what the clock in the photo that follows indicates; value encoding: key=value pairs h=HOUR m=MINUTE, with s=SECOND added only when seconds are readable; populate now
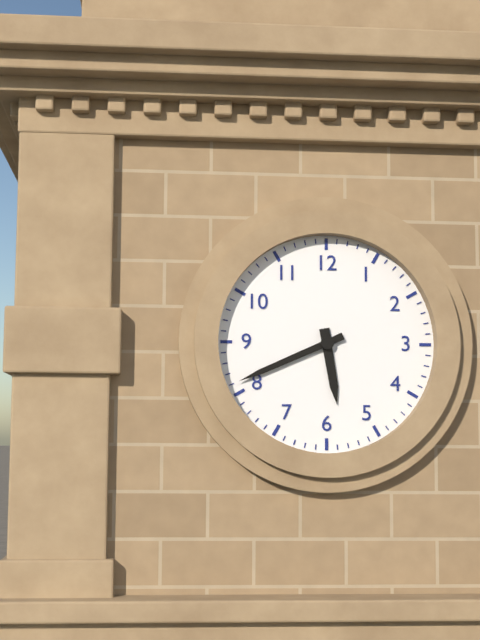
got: h=5 m=41
